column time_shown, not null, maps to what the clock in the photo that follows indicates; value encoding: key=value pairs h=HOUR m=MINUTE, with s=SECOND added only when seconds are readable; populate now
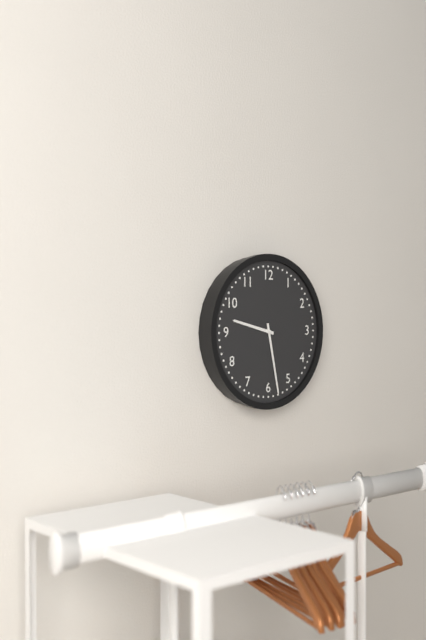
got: h=9 m=28
